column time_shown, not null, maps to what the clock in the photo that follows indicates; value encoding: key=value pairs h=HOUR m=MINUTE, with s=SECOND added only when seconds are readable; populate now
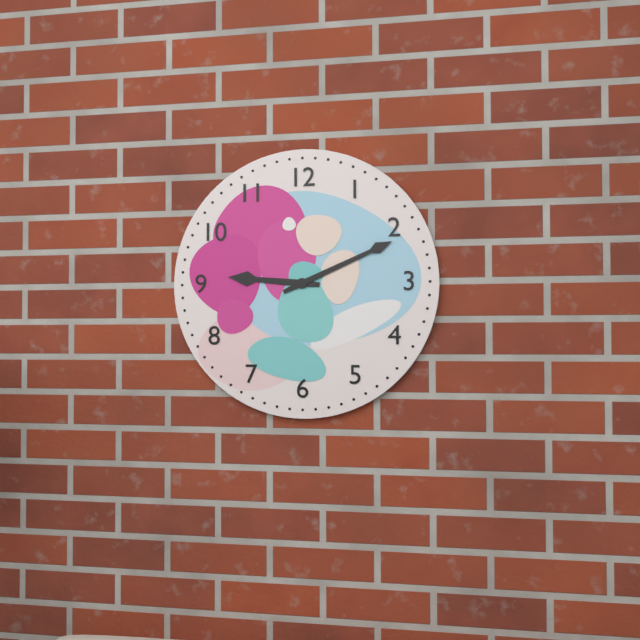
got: h=9 m=11
